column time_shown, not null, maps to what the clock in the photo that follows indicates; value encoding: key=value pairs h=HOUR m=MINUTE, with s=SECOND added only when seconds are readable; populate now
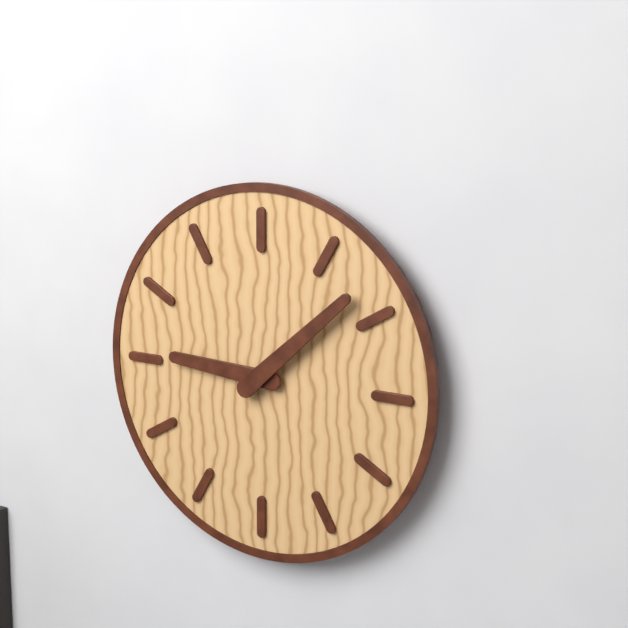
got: h=9 m=8
